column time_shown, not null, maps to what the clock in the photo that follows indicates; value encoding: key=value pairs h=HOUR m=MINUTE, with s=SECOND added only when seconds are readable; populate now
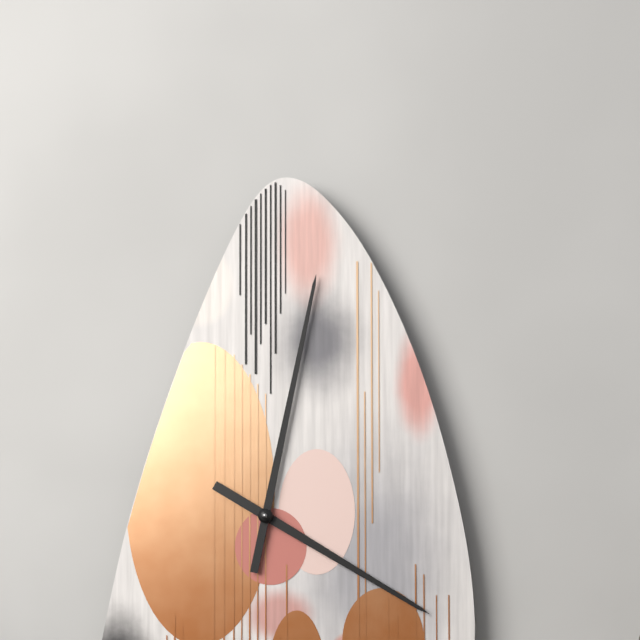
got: h=4 m=2
